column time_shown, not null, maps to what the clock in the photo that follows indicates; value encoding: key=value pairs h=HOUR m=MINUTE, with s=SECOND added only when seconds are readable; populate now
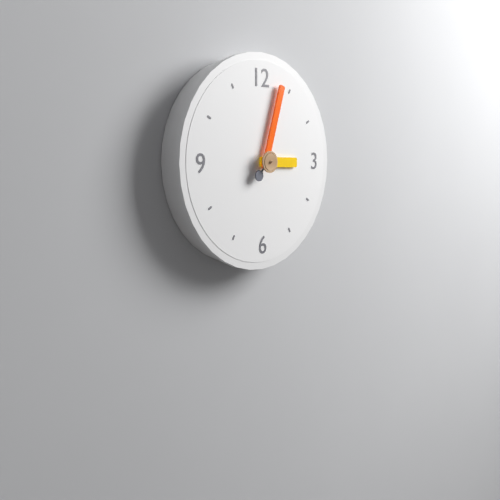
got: h=3 m=3
